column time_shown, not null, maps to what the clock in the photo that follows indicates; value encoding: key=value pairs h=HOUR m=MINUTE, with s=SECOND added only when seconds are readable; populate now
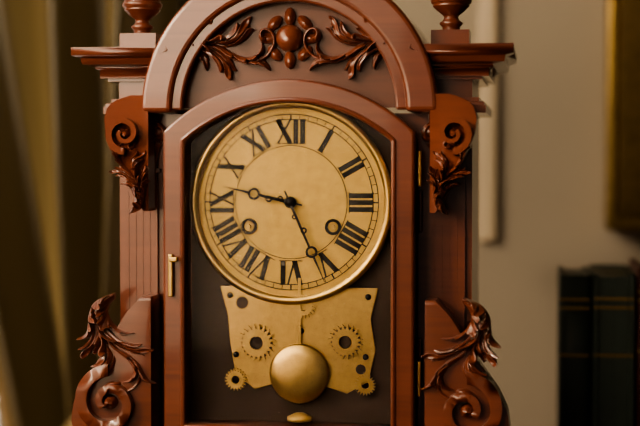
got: h=9 m=26
